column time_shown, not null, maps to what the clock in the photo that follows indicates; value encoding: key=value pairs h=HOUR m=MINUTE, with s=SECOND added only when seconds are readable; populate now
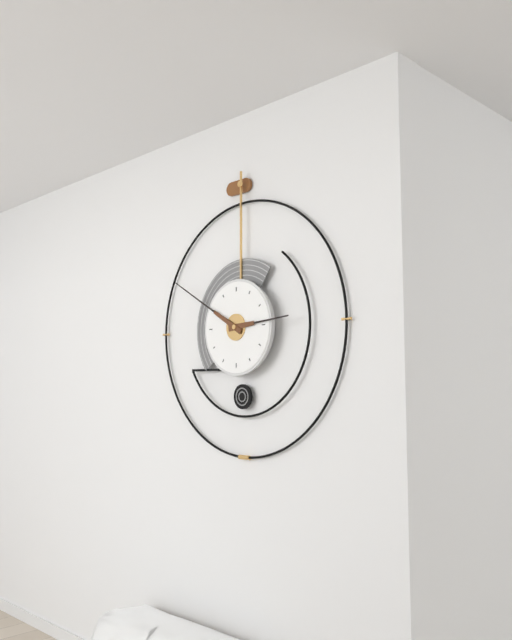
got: h=2 m=50
